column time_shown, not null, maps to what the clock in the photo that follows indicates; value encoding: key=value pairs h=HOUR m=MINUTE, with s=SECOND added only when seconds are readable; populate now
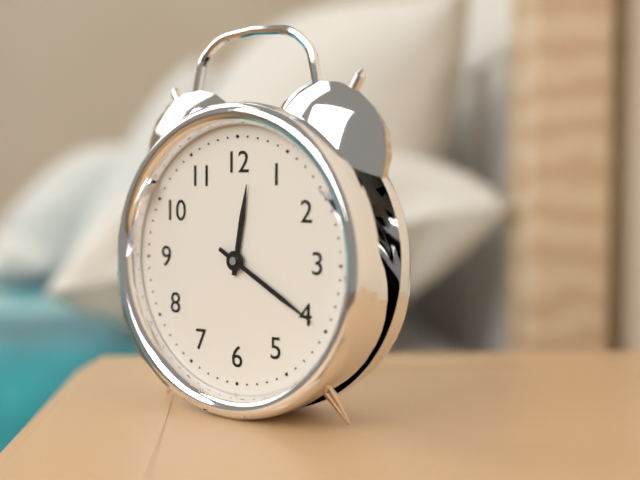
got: h=12 m=20
